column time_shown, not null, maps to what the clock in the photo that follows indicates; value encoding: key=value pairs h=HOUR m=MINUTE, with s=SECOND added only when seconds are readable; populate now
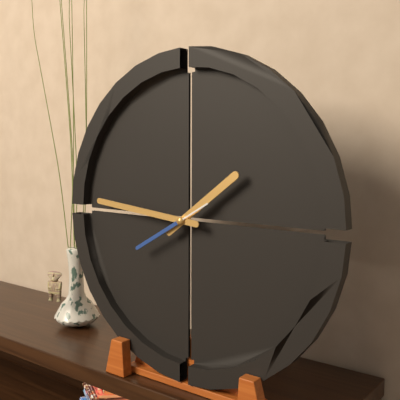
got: h=1 m=46 s=40
